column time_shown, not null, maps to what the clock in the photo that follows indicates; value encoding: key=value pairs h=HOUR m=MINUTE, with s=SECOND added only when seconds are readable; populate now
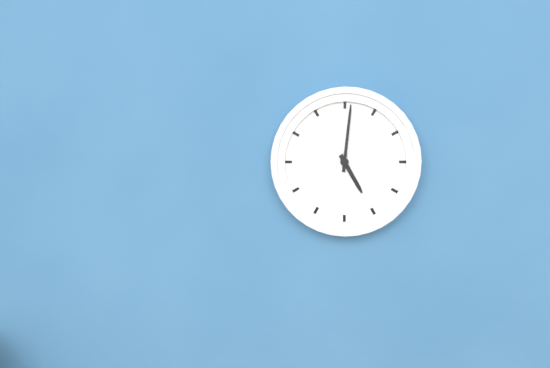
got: h=5 m=1
